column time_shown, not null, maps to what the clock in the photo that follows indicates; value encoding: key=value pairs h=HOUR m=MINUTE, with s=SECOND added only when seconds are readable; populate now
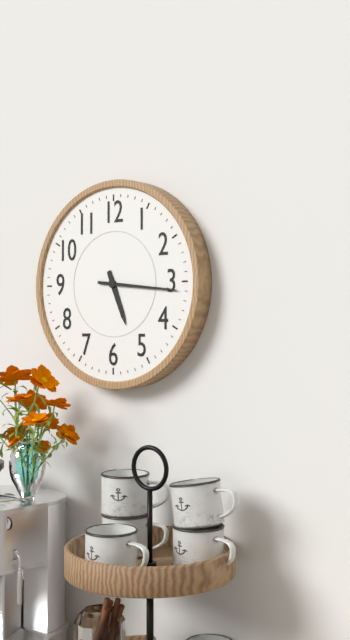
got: h=5 m=16
